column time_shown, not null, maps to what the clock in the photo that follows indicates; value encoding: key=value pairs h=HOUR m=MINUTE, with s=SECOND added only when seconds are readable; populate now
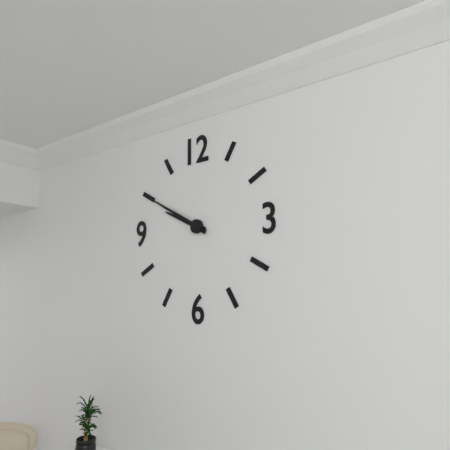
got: h=9 m=50
